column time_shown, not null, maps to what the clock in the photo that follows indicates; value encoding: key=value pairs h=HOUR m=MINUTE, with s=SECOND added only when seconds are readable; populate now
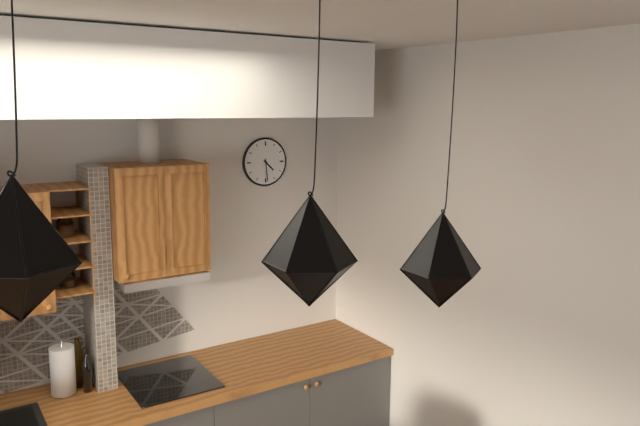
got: h=4 m=29
